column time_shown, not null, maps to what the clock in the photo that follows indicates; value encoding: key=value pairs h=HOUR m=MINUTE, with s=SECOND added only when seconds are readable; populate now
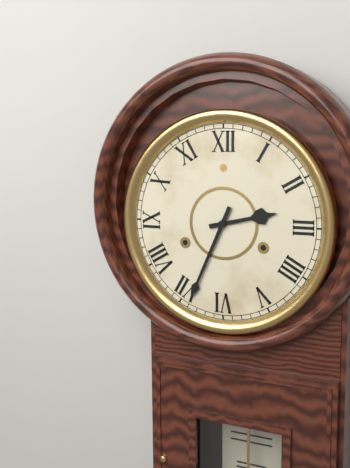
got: h=2 m=34
